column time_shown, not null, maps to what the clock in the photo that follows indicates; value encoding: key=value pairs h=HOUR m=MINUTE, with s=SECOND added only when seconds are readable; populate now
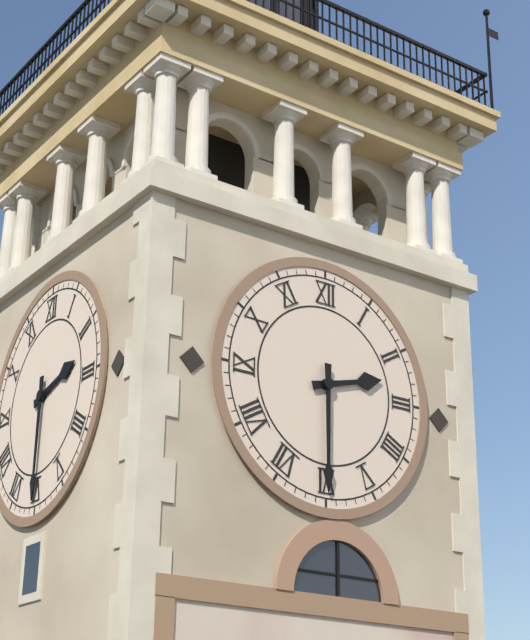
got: h=2 m=30
